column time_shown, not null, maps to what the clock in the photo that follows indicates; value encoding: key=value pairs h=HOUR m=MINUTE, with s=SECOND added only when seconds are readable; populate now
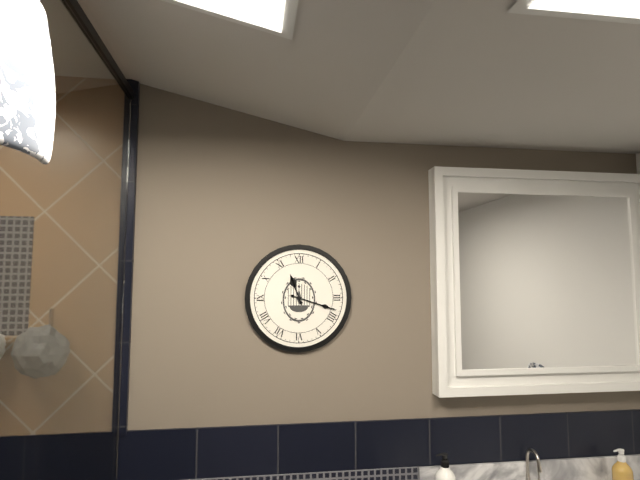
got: h=11 m=18
